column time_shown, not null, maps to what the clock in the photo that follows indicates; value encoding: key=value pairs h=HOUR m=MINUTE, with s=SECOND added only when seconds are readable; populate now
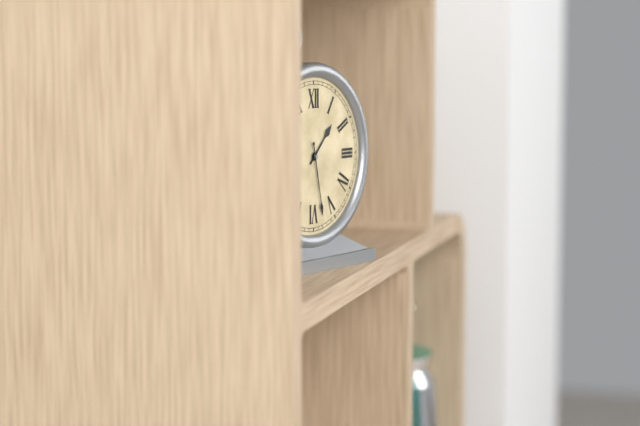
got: h=1 m=28
